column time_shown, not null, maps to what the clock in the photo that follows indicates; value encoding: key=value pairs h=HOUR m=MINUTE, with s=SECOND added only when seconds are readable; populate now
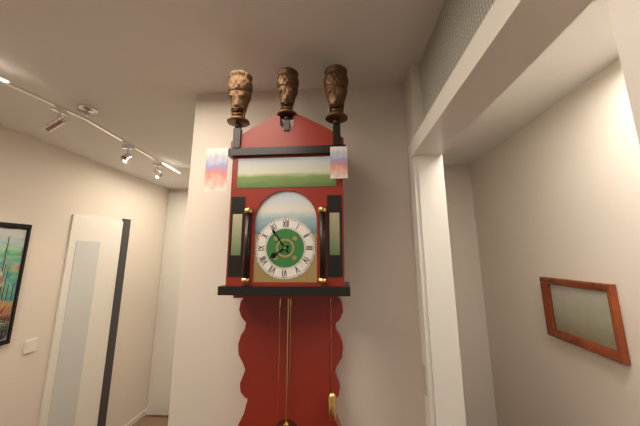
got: h=7 m=54
